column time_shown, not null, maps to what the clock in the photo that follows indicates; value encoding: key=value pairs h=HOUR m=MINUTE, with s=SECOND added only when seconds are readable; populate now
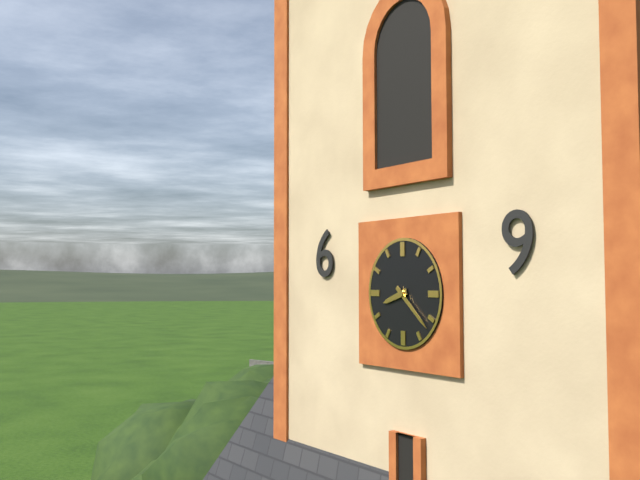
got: h=8 m=22
